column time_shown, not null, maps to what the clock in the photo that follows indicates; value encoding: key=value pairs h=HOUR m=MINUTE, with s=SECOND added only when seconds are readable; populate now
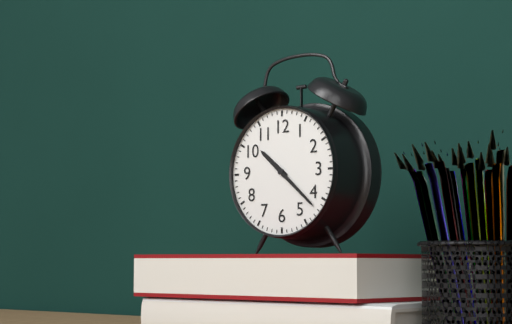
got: h=10 m=22
